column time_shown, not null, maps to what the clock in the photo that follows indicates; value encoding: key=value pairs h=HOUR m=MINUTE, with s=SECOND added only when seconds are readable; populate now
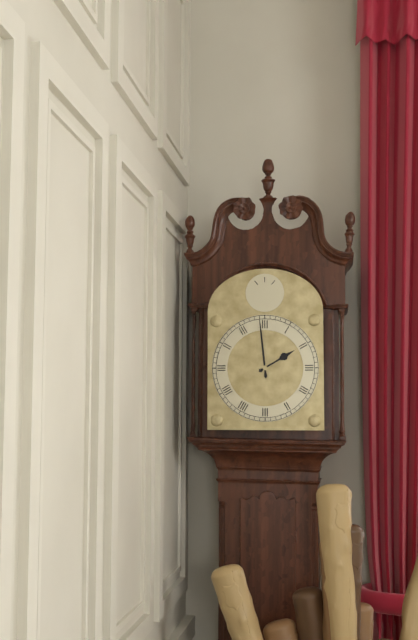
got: h=1 m=59
